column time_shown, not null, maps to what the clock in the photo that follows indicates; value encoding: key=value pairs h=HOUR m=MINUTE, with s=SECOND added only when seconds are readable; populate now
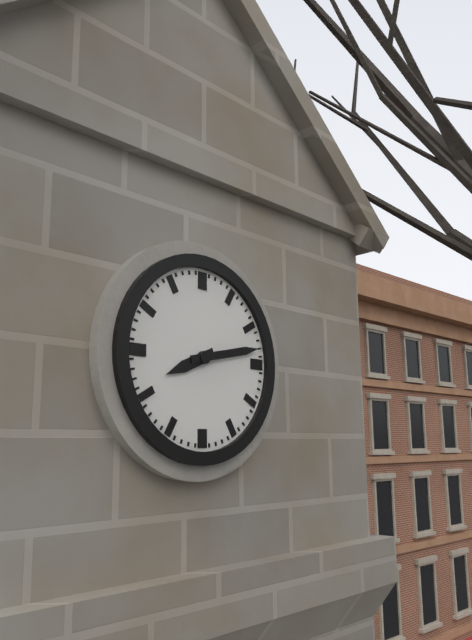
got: h=8 m=13
